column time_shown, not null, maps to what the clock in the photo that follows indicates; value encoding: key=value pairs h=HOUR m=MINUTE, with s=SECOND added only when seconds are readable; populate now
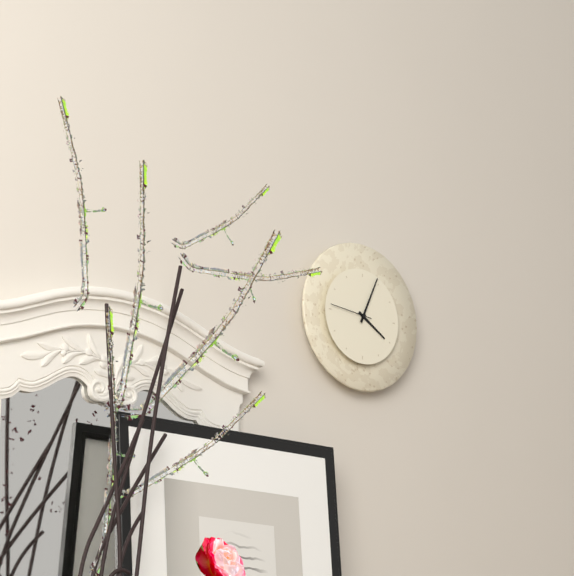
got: h=4 m=4
